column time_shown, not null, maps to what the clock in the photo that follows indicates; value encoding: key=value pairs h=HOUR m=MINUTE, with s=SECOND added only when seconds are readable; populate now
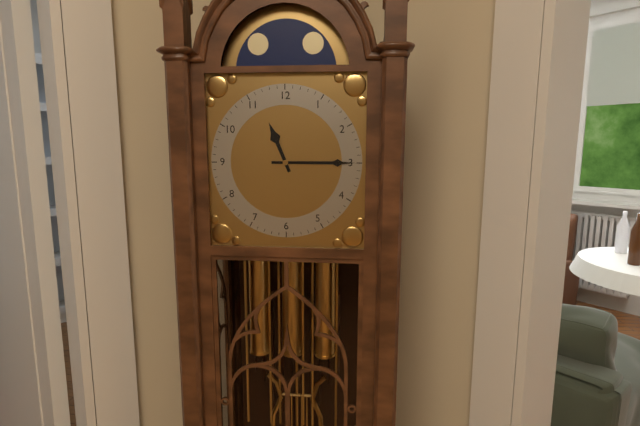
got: h=11 m=15
